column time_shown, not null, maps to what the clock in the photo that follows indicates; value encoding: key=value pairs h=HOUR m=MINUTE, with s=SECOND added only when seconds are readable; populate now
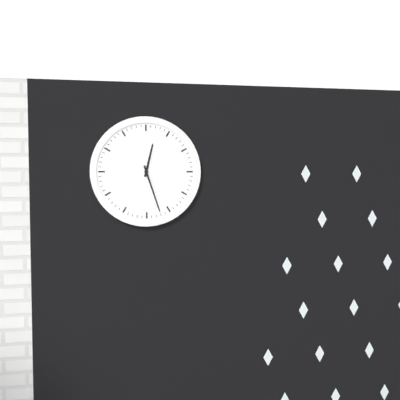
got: h=12 m=27
